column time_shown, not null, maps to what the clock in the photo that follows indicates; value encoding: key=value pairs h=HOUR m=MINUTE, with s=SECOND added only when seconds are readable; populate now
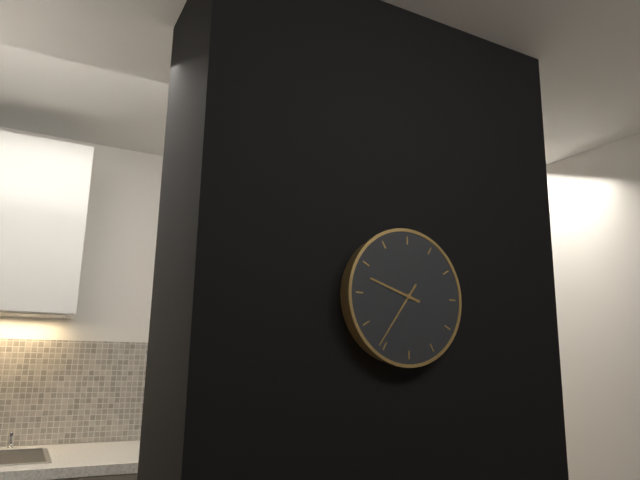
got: h=9 m=36
